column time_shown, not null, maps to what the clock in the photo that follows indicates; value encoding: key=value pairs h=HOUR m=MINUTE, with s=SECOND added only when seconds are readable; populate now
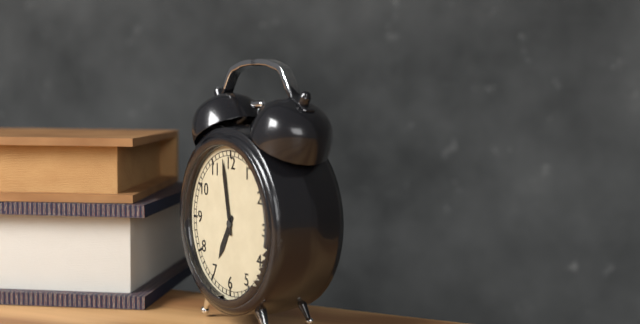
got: h=6 m=58
